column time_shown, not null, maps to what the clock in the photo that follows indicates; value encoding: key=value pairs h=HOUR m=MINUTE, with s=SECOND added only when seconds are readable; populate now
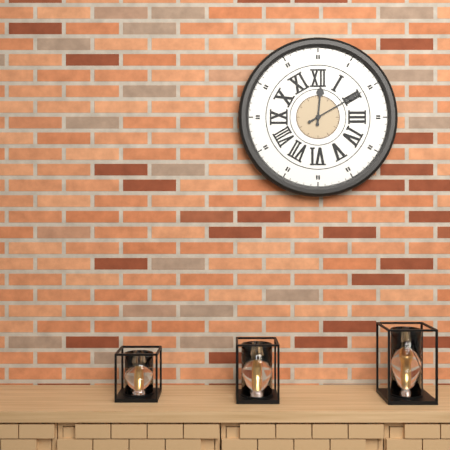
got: h=12 m=10
